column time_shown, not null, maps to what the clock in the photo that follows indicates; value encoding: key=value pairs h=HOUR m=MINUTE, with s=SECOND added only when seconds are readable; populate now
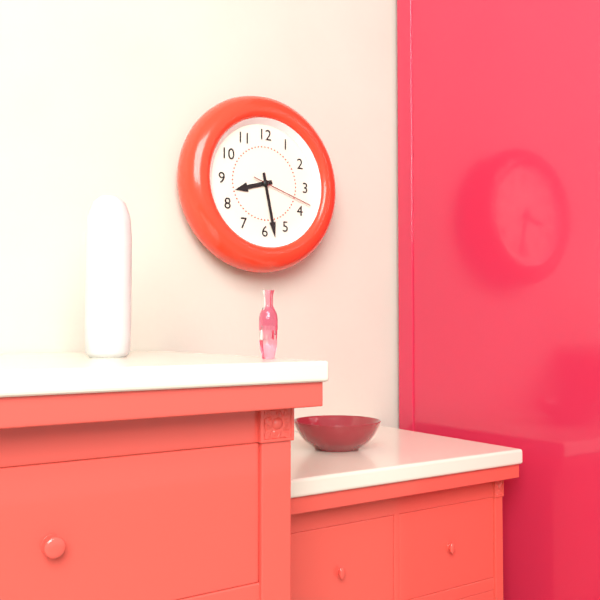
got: h=8 m=28 s=18
